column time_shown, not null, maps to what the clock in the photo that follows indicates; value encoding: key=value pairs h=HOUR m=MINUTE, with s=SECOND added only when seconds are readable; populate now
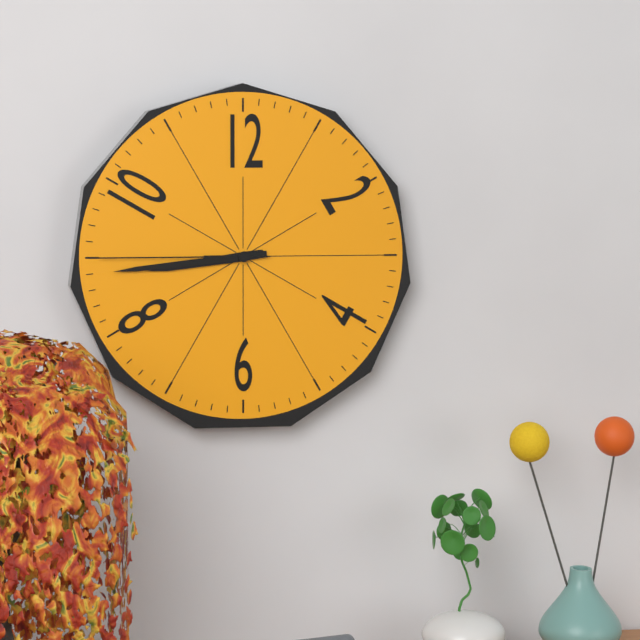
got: h=8 m=44 s=45
